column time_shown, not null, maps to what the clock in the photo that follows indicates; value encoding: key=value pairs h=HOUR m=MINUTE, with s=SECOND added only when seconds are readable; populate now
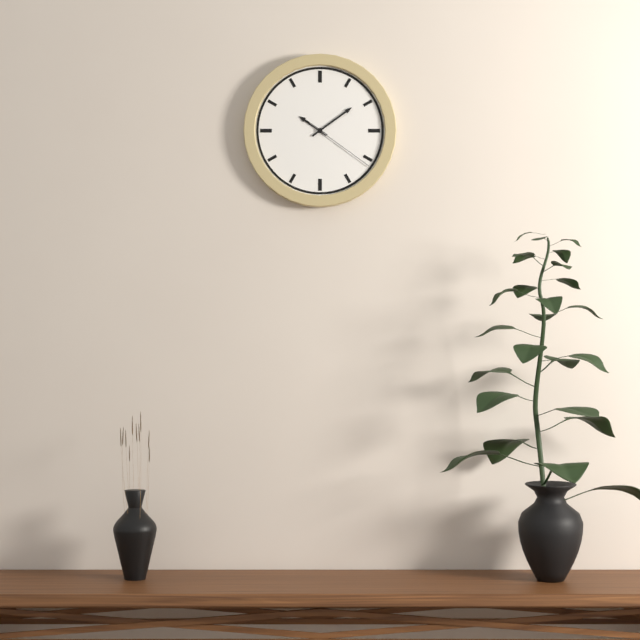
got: h=10 m=9 s=21
